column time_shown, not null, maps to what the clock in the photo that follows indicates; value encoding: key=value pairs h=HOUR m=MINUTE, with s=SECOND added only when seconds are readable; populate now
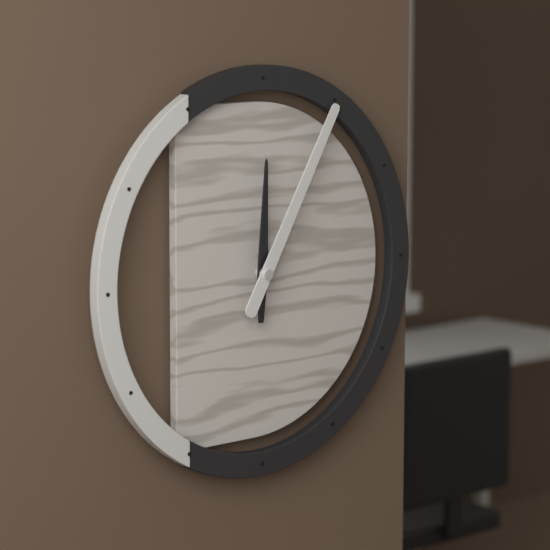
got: h=12 m=5
